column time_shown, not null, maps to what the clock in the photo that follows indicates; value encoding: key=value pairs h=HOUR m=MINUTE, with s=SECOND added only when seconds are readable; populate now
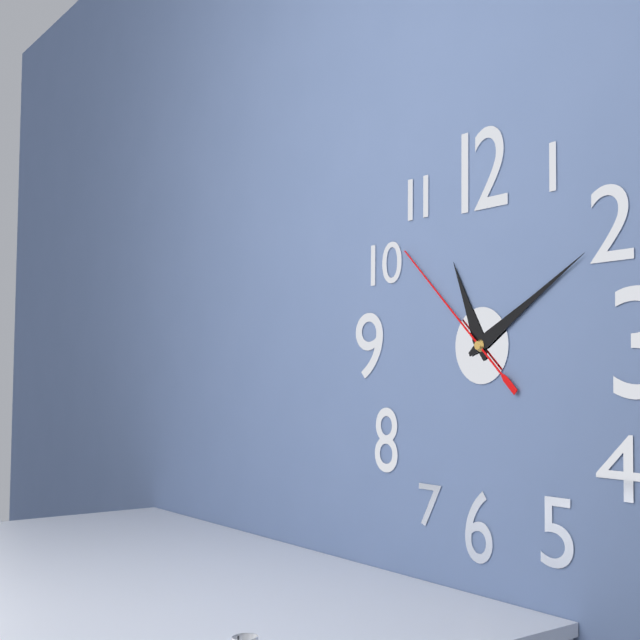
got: h=11 m=10 s=52
